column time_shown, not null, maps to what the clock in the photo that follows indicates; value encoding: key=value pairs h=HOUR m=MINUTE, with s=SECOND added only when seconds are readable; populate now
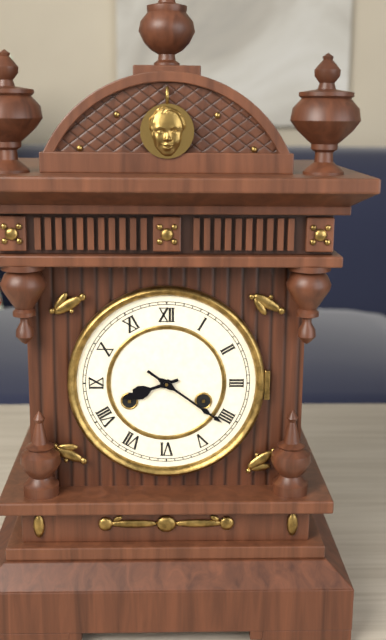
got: h=8 m=21
